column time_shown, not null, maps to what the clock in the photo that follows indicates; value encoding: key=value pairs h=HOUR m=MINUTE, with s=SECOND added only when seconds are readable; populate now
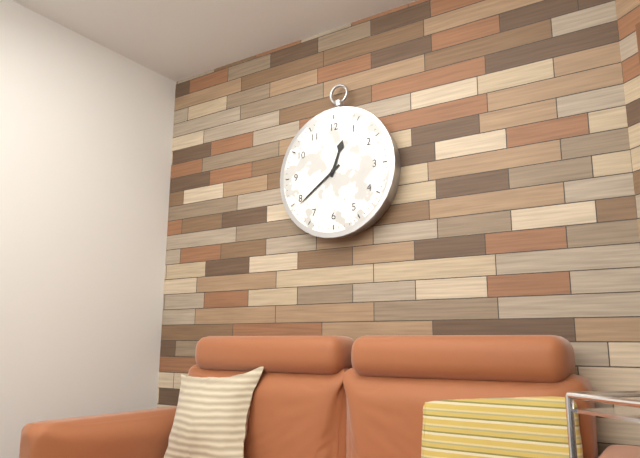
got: h=12 m=39
